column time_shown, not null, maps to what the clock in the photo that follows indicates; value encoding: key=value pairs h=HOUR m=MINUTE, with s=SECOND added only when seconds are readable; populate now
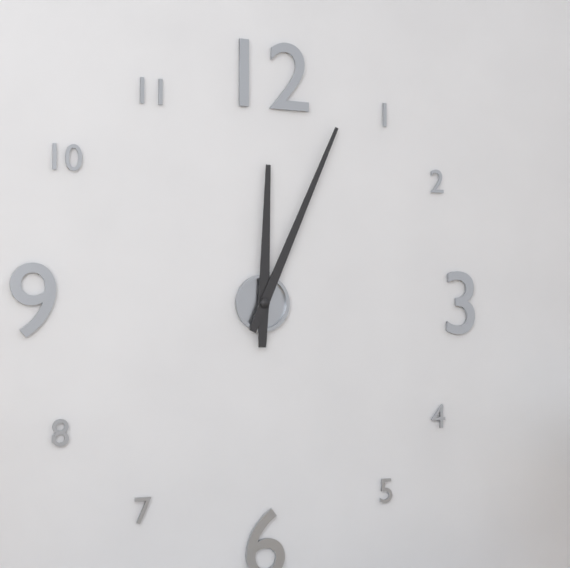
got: h=12 m=4
